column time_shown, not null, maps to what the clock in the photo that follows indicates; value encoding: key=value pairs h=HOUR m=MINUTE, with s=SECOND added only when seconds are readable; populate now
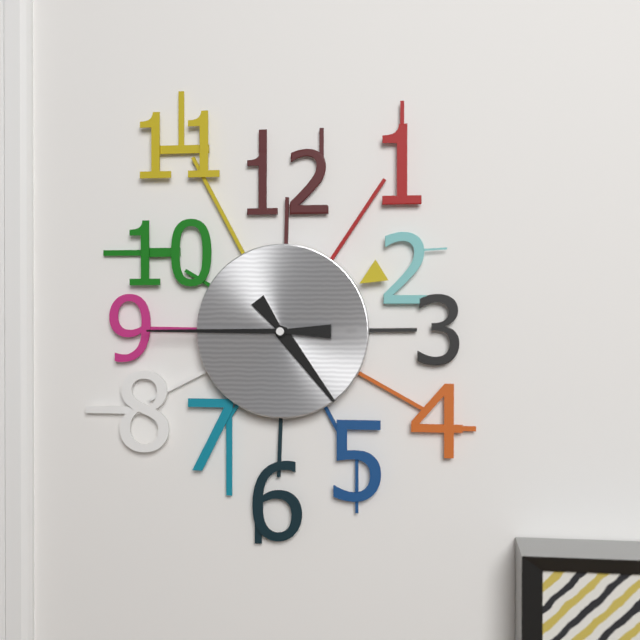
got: h=4 m=45
